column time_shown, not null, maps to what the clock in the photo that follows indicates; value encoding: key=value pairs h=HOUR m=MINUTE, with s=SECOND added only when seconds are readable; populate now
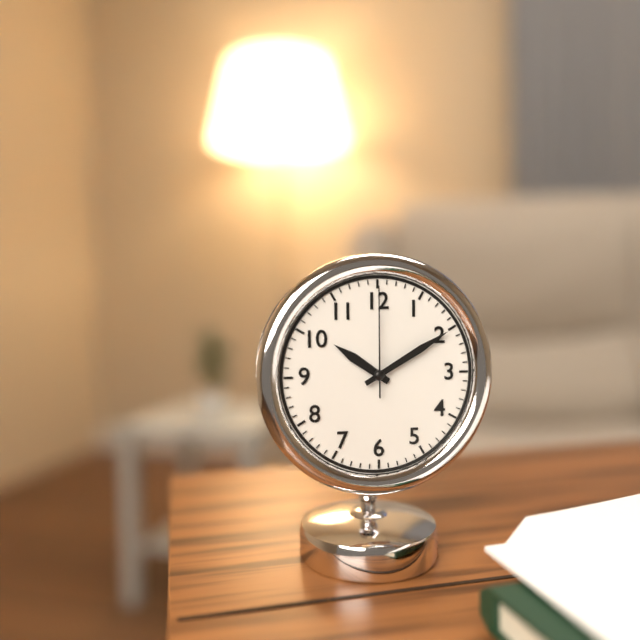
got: h=10 m=10 s=0
